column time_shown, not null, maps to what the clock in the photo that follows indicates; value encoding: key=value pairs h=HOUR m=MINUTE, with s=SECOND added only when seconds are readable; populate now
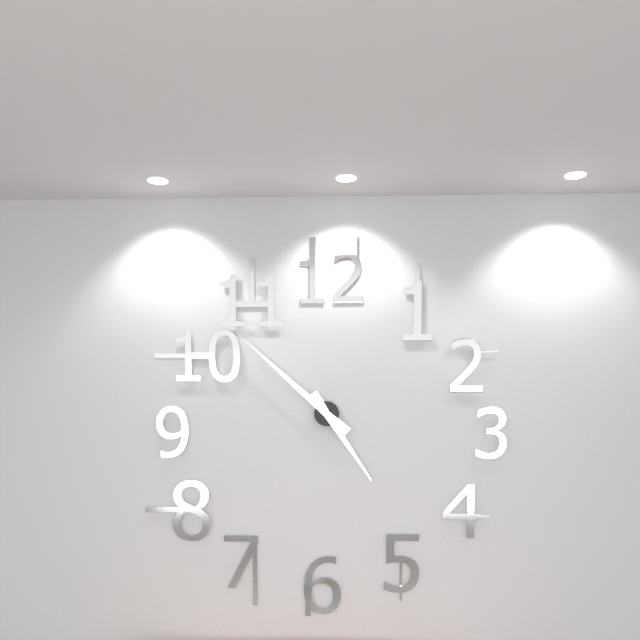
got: h=4 m=52
